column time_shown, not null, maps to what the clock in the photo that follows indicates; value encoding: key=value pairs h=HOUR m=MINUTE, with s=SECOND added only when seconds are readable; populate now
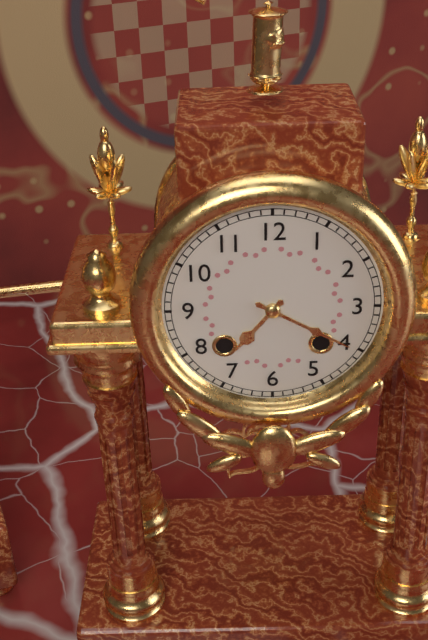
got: h=7 m=20
